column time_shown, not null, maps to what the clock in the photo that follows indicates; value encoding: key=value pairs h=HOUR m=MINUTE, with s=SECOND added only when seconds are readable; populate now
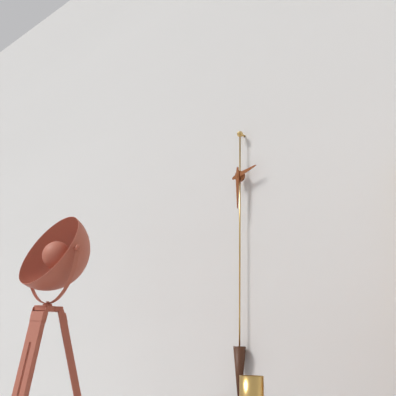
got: h=2 m=30
